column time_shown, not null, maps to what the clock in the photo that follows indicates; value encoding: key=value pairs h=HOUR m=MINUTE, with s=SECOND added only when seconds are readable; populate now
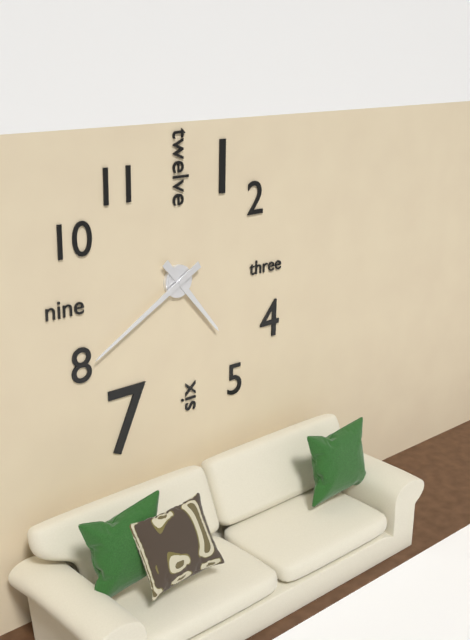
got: h=4 m=40
